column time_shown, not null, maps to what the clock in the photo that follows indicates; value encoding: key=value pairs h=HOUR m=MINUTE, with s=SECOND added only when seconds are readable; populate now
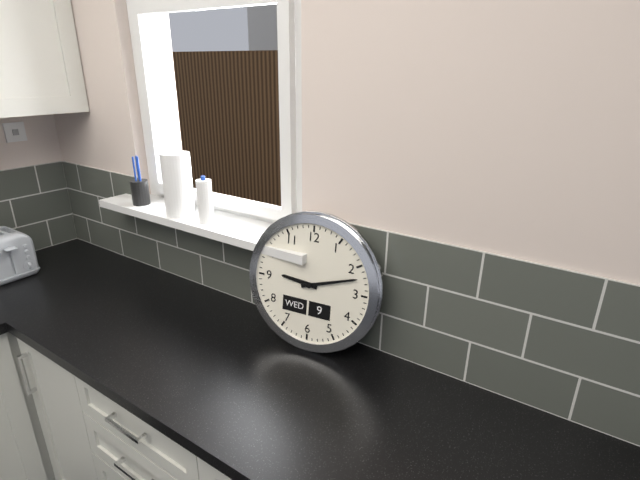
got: h=9 m=12
